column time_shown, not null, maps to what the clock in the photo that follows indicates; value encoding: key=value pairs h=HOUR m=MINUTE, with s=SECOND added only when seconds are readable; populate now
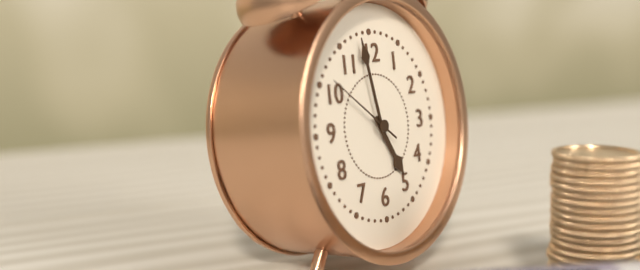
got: h=4 m=58 s=51
